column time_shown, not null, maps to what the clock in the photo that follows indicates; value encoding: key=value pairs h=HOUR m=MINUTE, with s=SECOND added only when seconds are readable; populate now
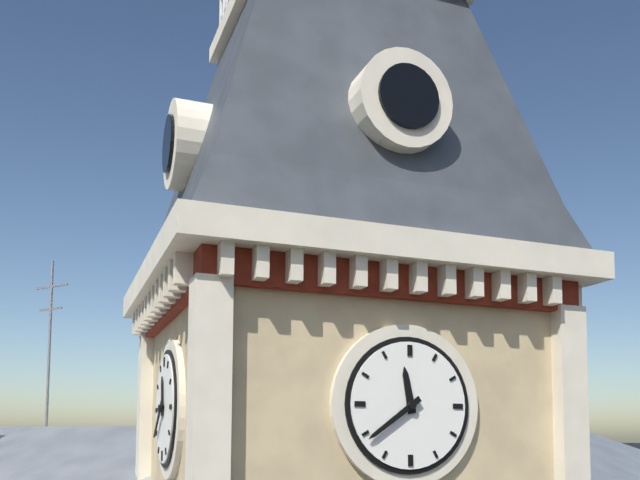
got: h=11 m=39
